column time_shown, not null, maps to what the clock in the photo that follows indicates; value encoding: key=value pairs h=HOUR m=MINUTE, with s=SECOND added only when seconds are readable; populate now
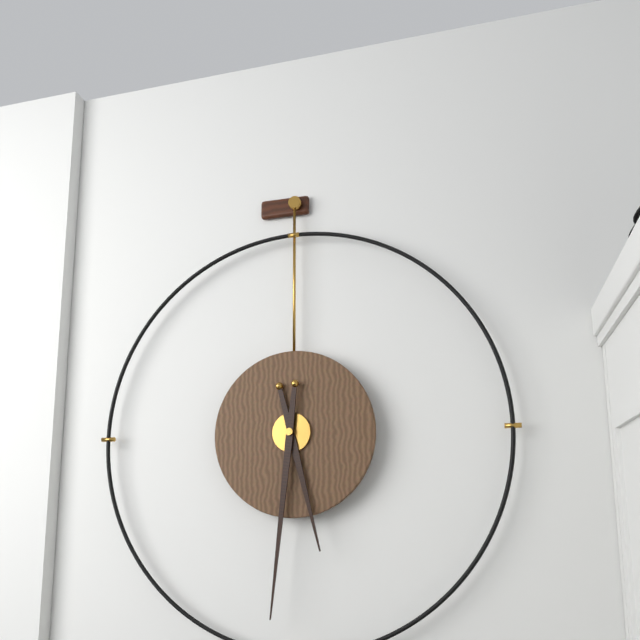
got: h=5 m=31
